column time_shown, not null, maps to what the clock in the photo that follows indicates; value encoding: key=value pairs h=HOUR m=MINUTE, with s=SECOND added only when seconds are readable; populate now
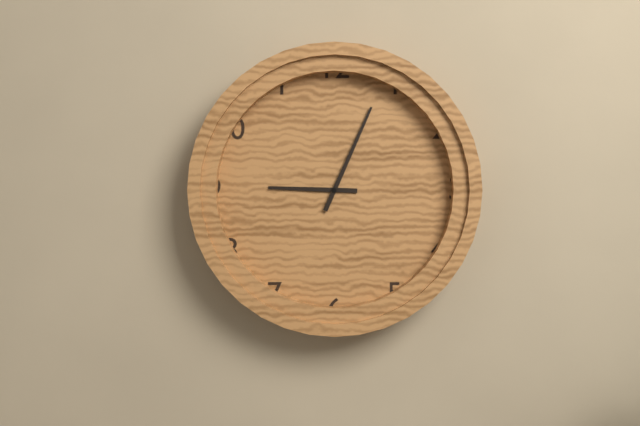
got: h=9 m=4
